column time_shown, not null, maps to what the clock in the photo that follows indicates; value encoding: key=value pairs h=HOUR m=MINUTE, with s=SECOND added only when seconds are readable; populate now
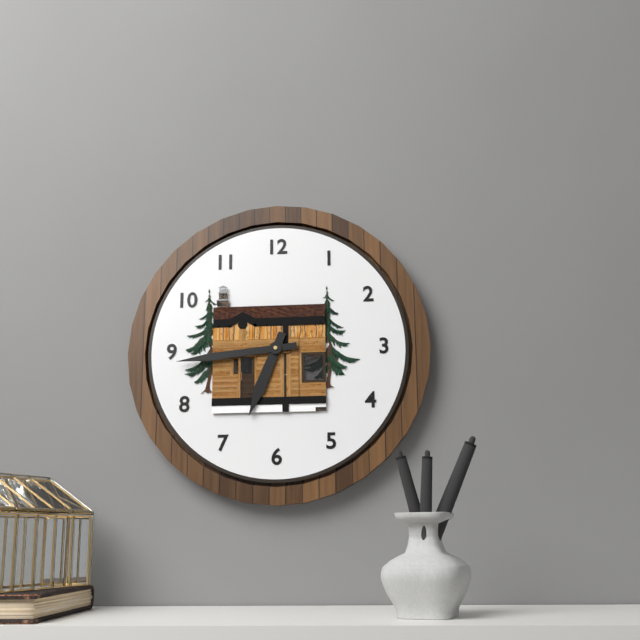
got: h=6 m=44
